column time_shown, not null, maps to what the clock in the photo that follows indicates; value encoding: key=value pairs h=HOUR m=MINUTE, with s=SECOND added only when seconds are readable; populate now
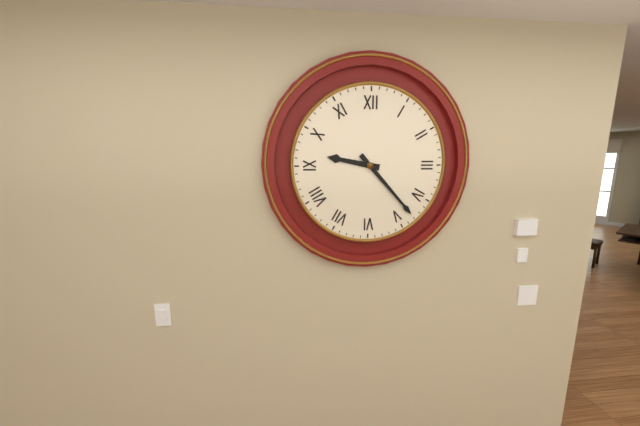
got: h=9 m=23
